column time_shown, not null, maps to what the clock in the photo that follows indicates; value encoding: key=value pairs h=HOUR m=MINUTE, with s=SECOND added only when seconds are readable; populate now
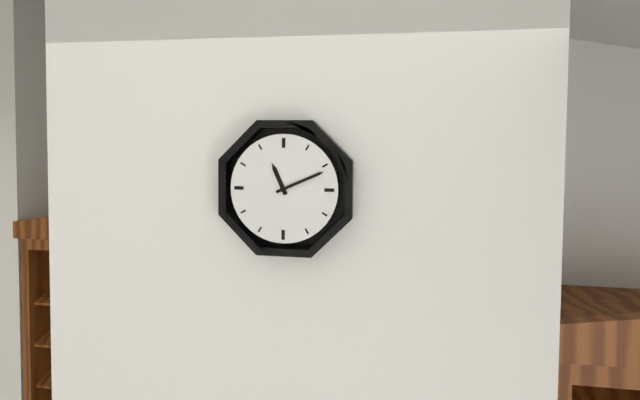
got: h=11 m=11
